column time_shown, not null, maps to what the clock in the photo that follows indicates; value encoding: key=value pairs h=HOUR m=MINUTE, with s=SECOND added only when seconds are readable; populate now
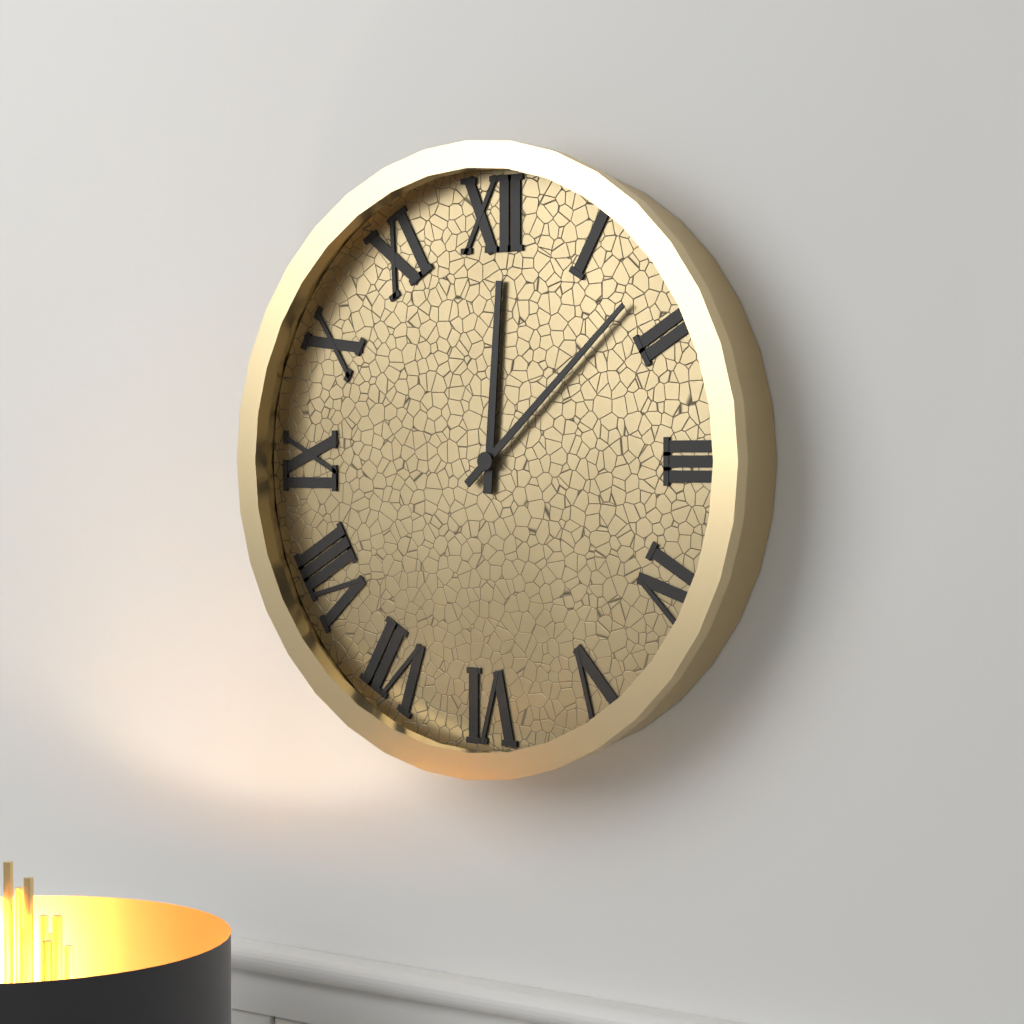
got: h=12 m=8
